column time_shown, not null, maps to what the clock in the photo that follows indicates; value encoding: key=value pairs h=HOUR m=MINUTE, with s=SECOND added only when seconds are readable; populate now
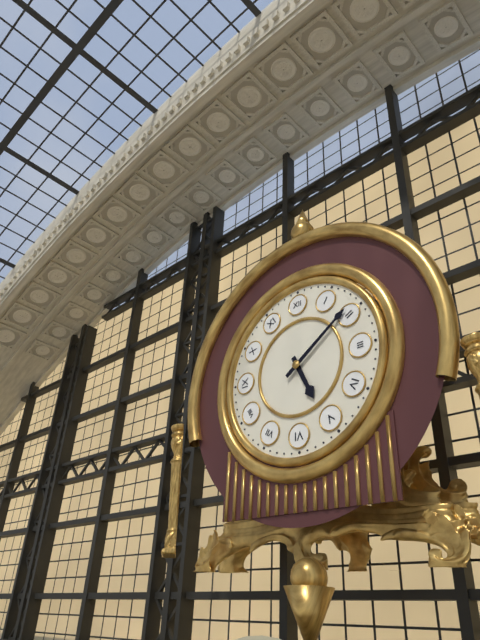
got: h=5 m=9
